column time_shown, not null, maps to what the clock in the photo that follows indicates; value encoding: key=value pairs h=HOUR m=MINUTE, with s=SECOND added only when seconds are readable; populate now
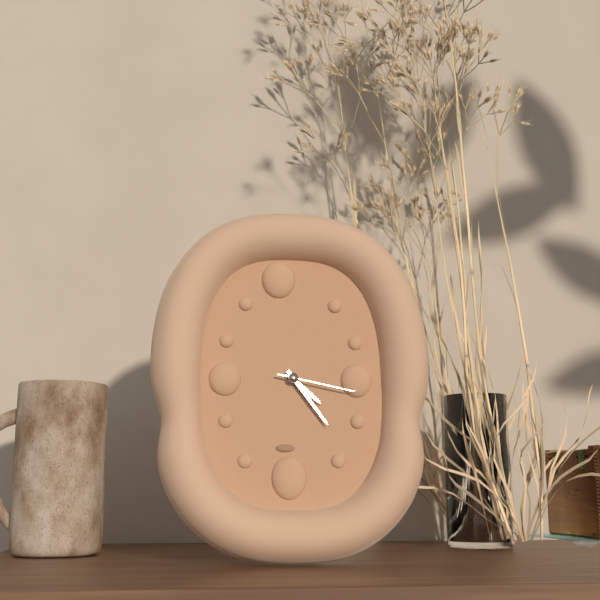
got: h=4 m=24 s=17
